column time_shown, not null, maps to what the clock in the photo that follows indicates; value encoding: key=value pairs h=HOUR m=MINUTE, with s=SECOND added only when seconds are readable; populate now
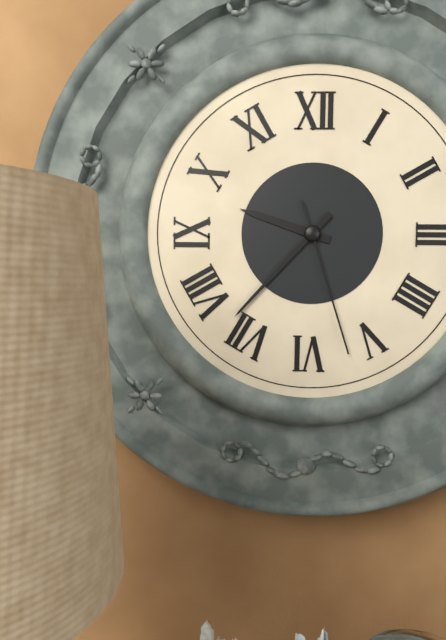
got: h=9 m=37 s=27
